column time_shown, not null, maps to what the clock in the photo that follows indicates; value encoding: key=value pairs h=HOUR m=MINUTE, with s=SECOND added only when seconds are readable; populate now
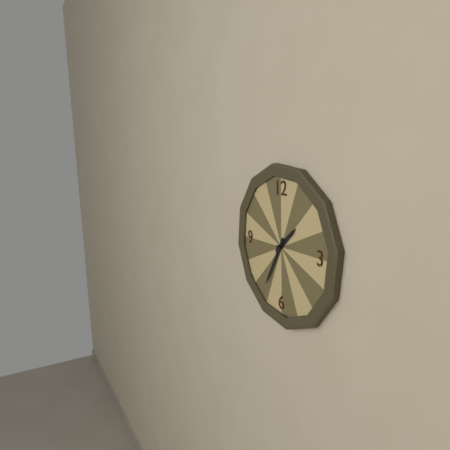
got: h=1 m=35
